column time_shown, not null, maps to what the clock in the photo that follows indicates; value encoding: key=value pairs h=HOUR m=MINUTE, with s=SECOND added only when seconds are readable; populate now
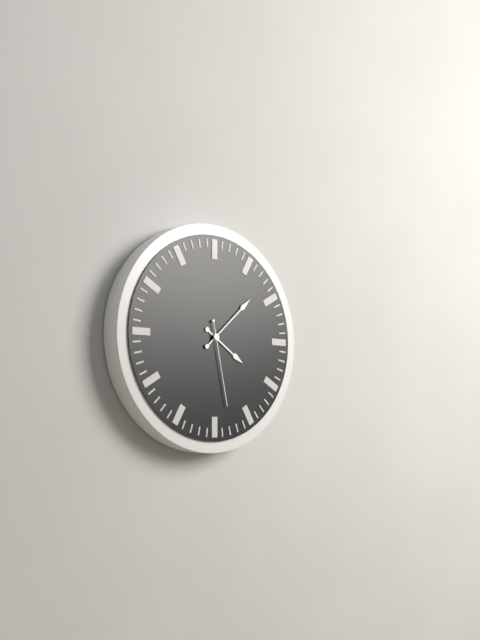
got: h=4 m=8 s=28
